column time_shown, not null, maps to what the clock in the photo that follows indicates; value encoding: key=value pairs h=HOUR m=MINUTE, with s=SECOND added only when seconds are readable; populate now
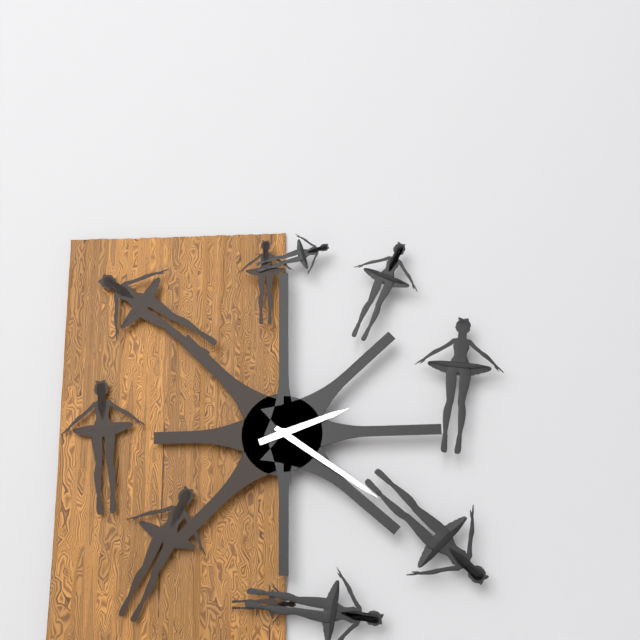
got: h=2 m=21
